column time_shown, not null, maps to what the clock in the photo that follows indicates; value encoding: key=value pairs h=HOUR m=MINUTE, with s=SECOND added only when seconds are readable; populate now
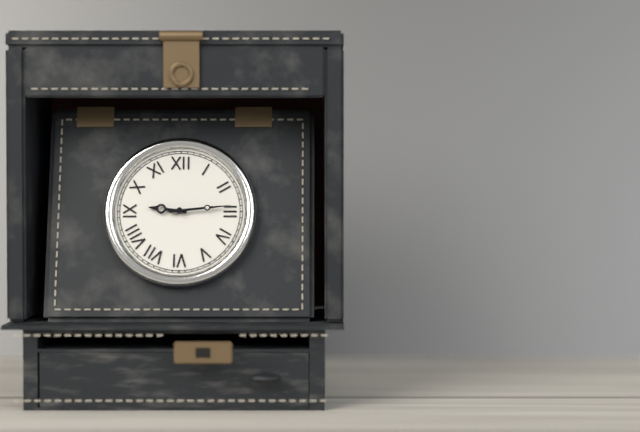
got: h=9 m=14
